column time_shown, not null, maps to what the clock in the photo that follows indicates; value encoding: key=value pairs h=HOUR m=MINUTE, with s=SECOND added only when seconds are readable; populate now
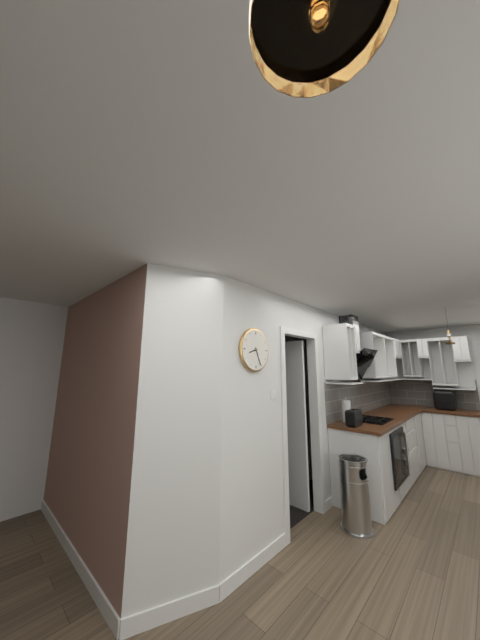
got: h=8 m=26
